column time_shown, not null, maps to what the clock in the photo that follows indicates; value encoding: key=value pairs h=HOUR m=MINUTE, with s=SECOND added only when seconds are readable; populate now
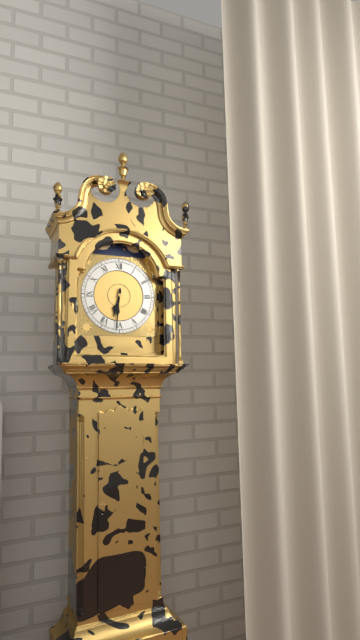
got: h=6 m=31
